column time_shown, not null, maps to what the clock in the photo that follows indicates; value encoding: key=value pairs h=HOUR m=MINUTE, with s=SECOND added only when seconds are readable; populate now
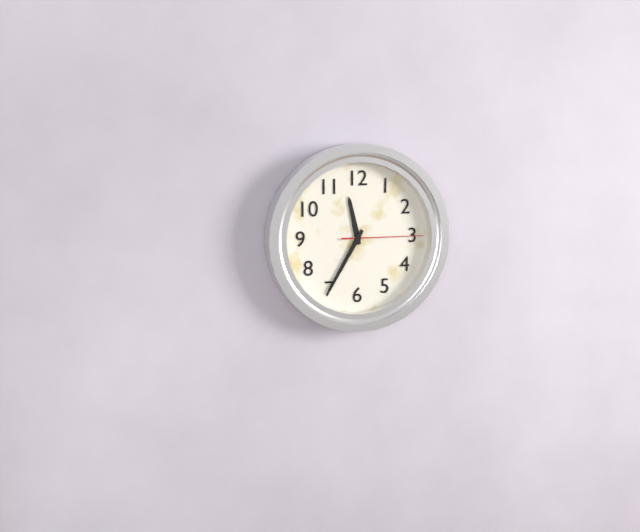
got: h=11 m=35 s=15
